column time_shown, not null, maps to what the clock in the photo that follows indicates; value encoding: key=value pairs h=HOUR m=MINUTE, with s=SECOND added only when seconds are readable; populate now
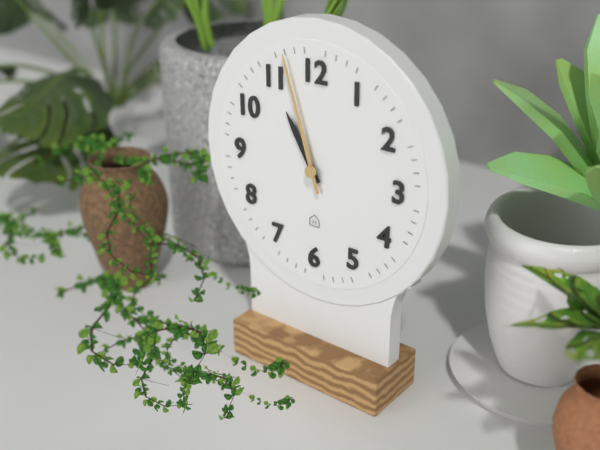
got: h=10 m=57
